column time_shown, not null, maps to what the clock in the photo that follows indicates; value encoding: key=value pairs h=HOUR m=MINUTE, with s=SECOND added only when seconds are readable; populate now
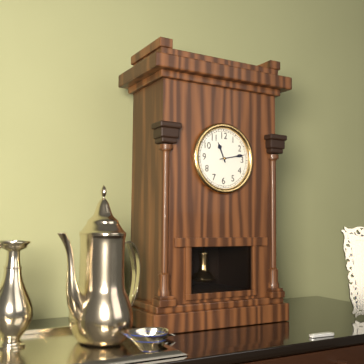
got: h=11 m=13
